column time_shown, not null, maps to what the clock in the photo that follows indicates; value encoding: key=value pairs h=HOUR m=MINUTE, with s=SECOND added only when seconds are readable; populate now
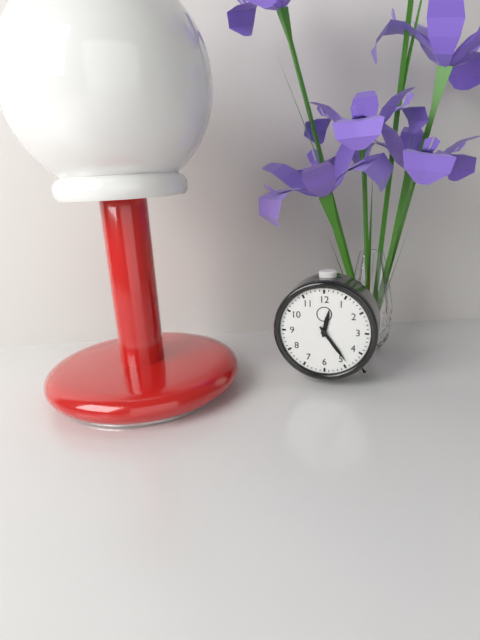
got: h=12 m=24
